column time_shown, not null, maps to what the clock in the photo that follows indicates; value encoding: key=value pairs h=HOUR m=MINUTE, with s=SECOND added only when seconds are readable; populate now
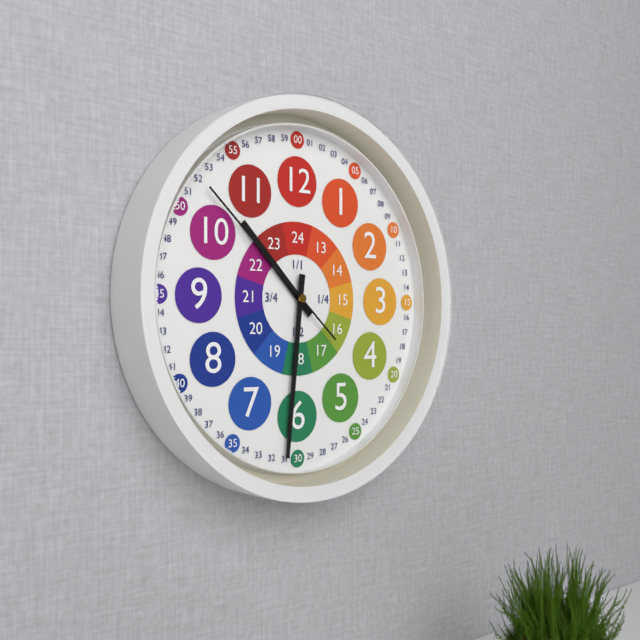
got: h=10 m=31 s=52
